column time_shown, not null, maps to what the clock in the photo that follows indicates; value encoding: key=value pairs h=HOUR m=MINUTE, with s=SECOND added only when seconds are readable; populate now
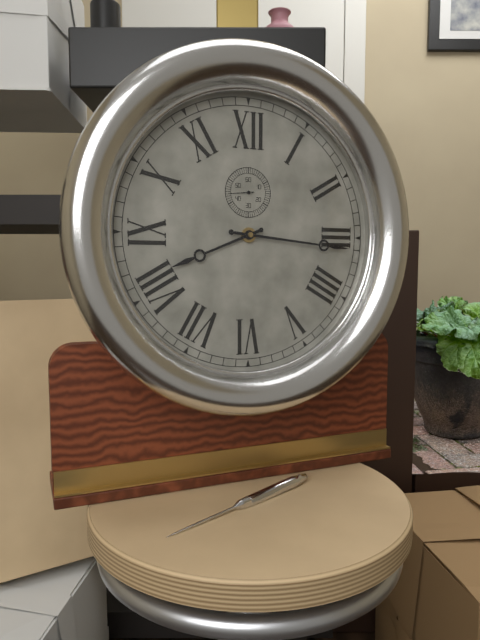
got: h=8 m=16
